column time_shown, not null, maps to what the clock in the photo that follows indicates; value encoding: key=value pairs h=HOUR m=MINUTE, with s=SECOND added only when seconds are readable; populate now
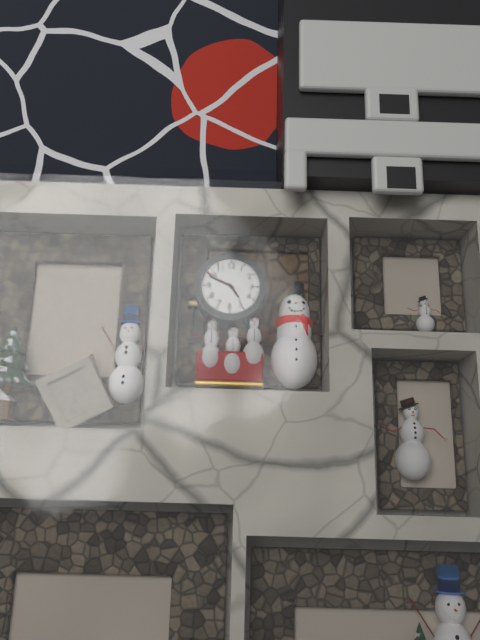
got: h=4 m=49
